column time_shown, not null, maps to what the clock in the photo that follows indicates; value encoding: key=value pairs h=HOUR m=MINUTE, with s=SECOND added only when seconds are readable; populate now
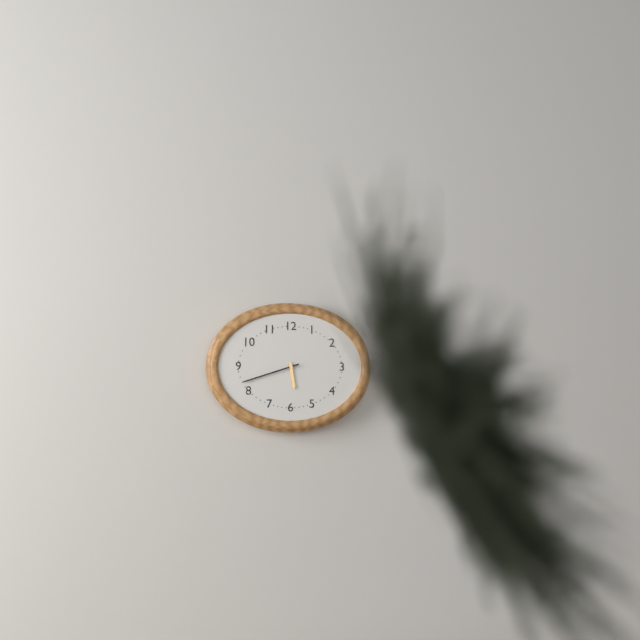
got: h=5 m=42
